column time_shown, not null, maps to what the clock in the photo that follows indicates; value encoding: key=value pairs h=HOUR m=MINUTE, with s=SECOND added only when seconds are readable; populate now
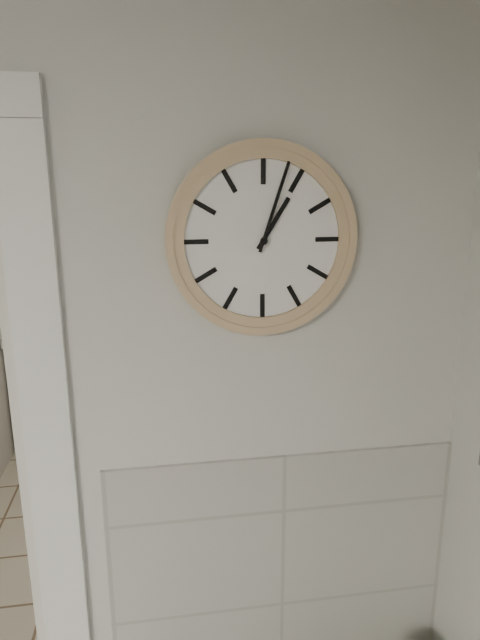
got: h=1 m=3
